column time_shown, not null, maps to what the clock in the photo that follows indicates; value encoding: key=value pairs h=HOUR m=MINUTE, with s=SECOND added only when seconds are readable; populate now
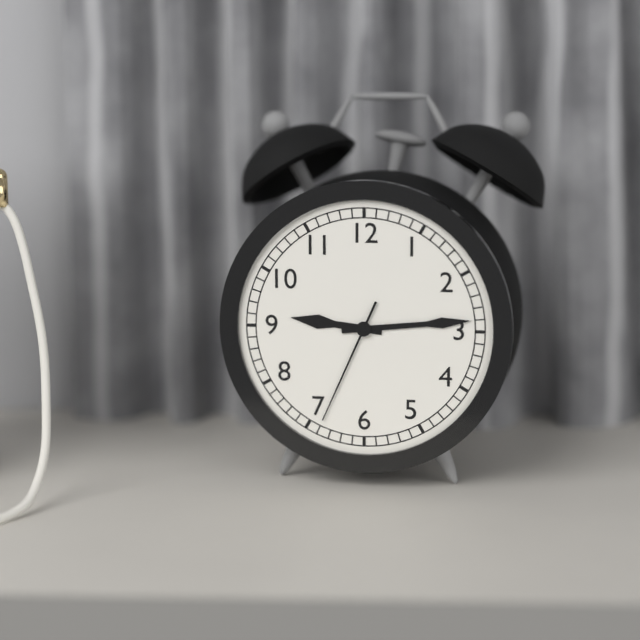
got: h=9 m=14 s=34
